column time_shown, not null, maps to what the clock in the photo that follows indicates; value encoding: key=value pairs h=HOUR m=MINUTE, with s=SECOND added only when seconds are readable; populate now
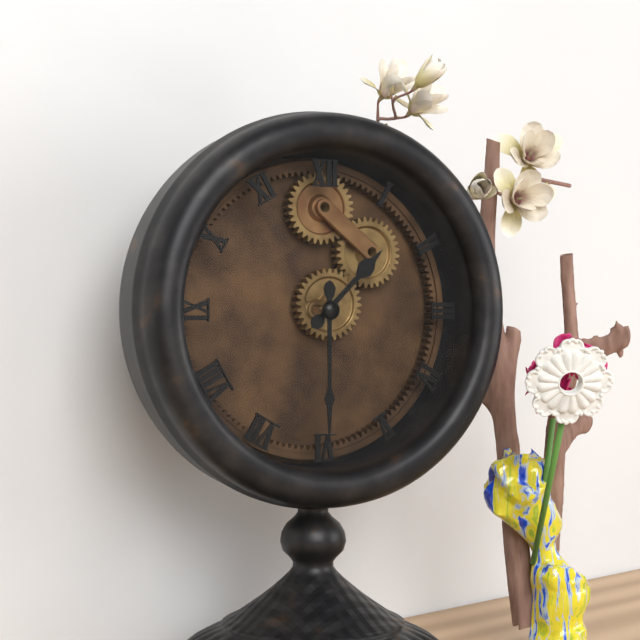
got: h=1 m=30
